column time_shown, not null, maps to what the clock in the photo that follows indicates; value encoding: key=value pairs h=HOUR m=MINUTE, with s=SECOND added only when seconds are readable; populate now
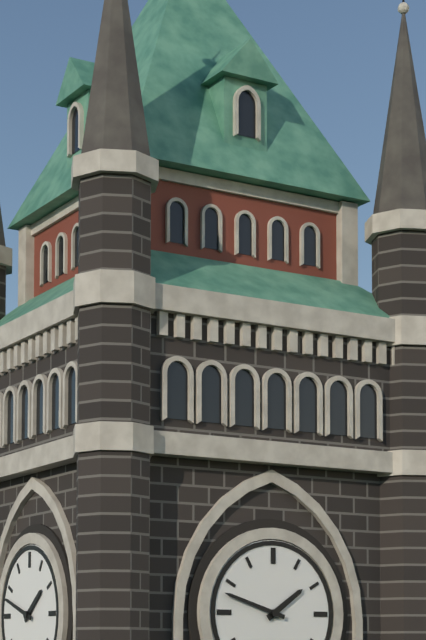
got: h=1 m=48
